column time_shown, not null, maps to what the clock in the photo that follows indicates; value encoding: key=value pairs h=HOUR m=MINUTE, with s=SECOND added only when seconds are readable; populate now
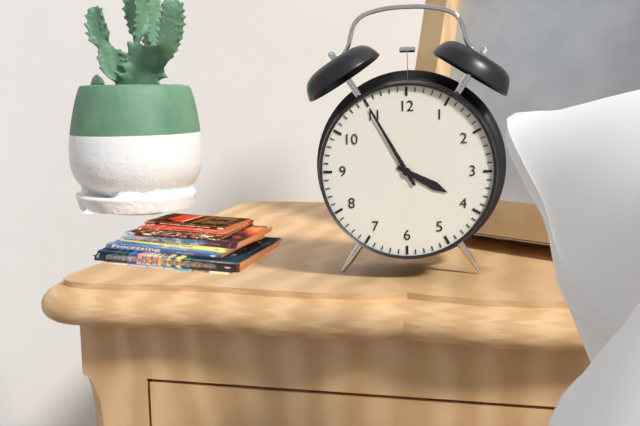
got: h=3 m=55
